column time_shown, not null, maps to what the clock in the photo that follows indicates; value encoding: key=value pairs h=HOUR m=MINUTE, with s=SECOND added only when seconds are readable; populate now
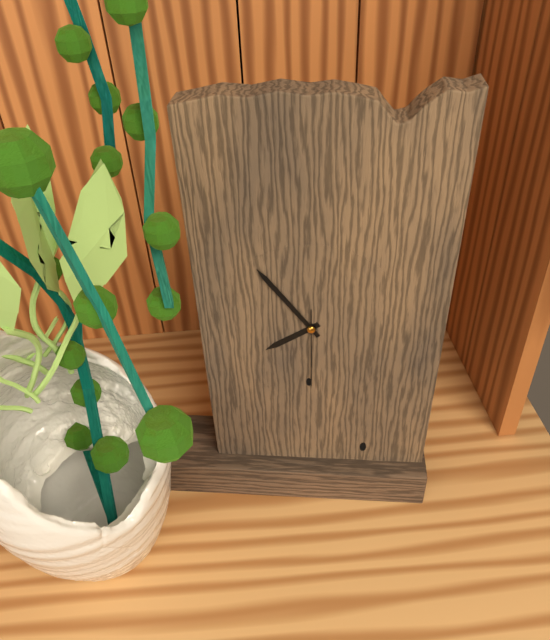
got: h=7 m=54 s=30
